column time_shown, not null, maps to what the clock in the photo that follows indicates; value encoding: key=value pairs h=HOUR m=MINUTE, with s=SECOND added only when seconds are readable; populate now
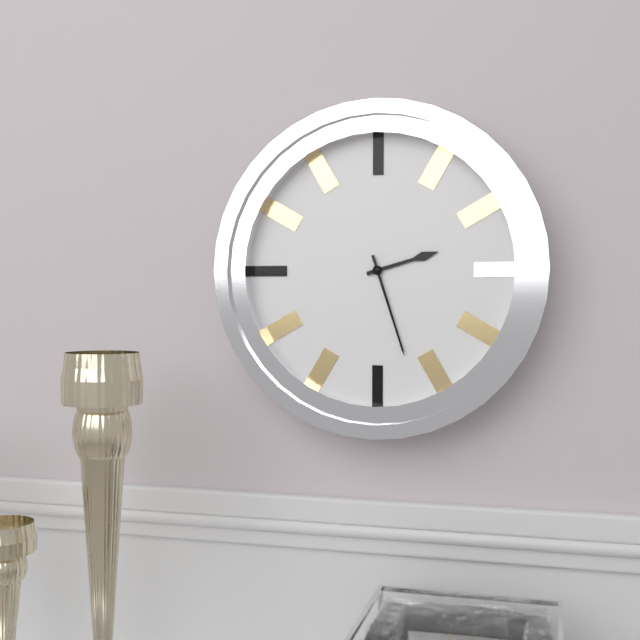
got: h=2 m=27
